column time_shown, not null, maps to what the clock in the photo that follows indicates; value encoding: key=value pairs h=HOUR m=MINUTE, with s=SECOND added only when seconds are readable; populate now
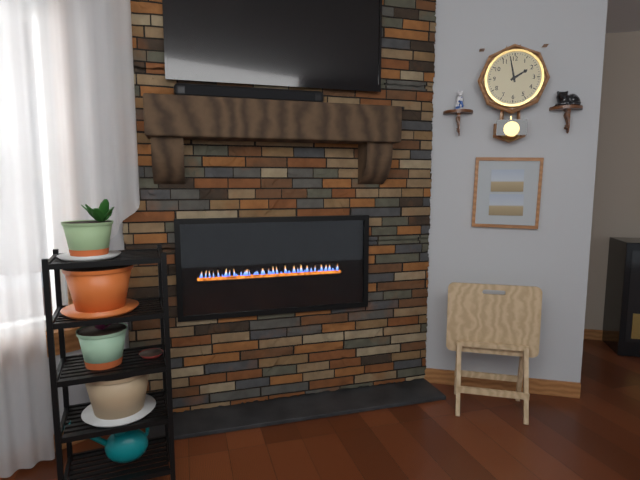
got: h=1 m=58
